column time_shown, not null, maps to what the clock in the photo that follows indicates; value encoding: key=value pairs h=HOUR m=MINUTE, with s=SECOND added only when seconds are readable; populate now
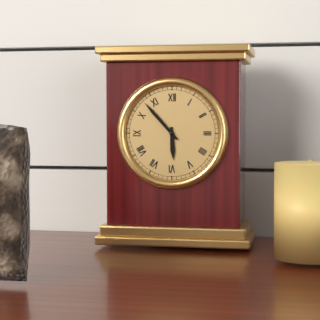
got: h=5 m=53
